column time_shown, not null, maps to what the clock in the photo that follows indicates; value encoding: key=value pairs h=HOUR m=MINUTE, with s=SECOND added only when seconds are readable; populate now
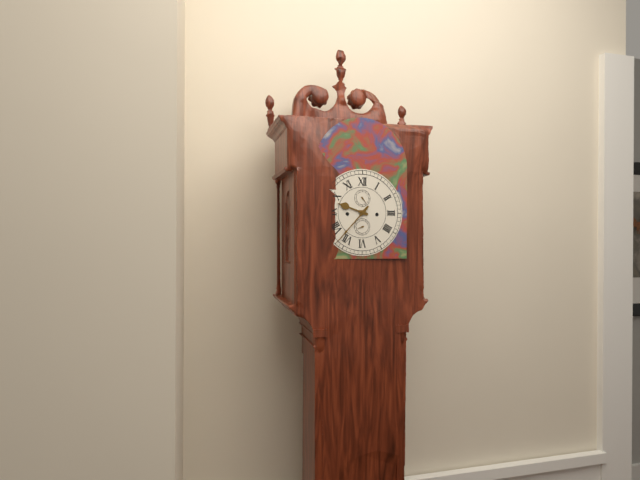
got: h=9 m=37
